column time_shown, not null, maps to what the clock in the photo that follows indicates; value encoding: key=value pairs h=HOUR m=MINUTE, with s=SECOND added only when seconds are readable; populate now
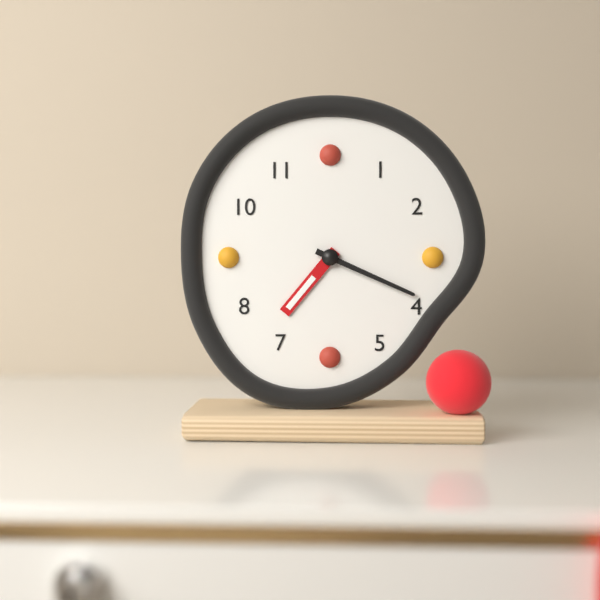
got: h=7 m=19
